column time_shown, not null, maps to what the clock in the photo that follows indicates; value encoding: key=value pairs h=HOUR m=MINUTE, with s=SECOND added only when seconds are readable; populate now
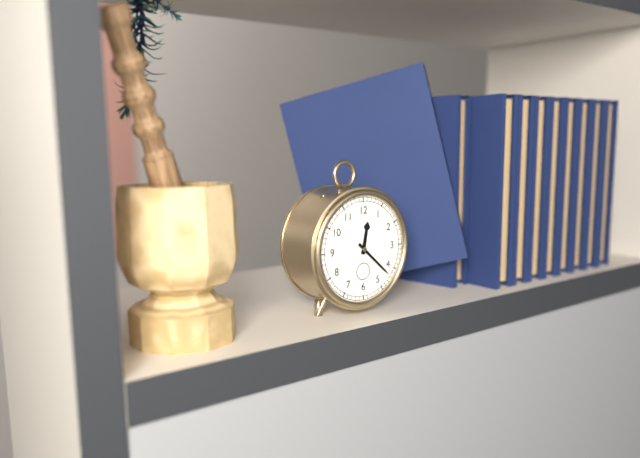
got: h=12 m=22
